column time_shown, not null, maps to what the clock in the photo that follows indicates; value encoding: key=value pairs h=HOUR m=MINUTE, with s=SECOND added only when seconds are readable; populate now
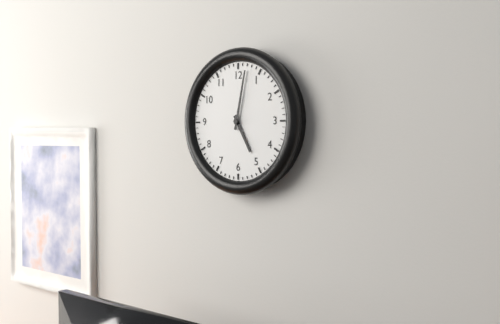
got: h=5 m=2
